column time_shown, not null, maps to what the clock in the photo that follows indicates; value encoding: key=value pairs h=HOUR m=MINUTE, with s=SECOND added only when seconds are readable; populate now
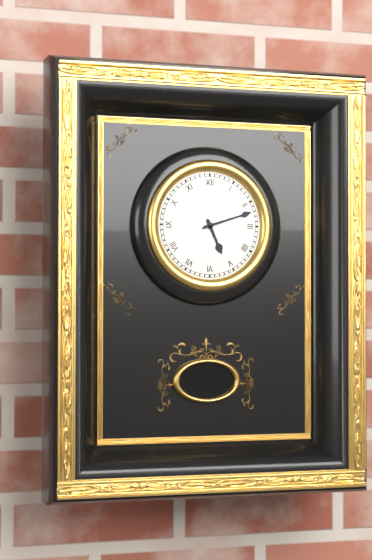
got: h=5 m=12
